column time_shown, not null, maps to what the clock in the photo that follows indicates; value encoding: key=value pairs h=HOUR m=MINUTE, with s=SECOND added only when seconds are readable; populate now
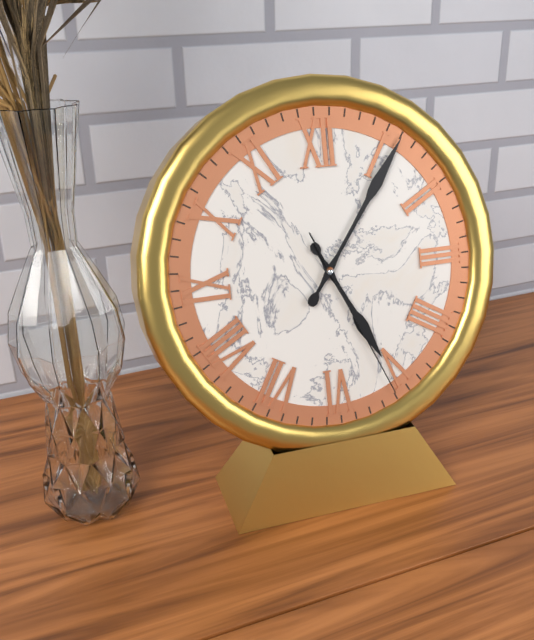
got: h=5 m=6 s=26
